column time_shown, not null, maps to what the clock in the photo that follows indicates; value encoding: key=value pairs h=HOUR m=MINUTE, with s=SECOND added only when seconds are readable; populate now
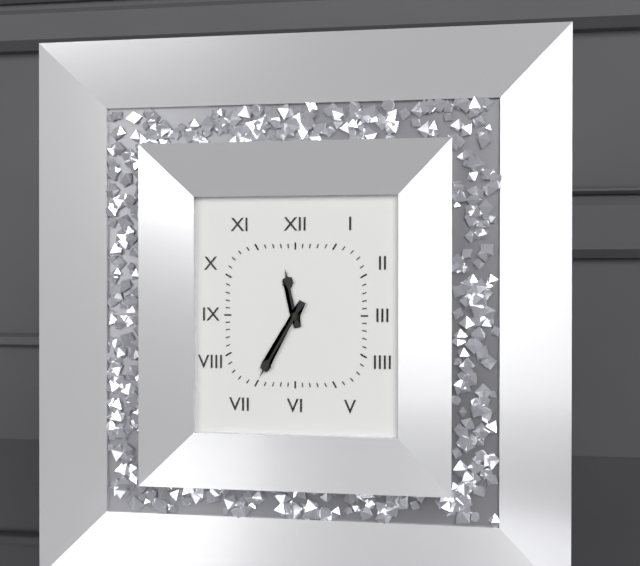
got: h=11 m=35
